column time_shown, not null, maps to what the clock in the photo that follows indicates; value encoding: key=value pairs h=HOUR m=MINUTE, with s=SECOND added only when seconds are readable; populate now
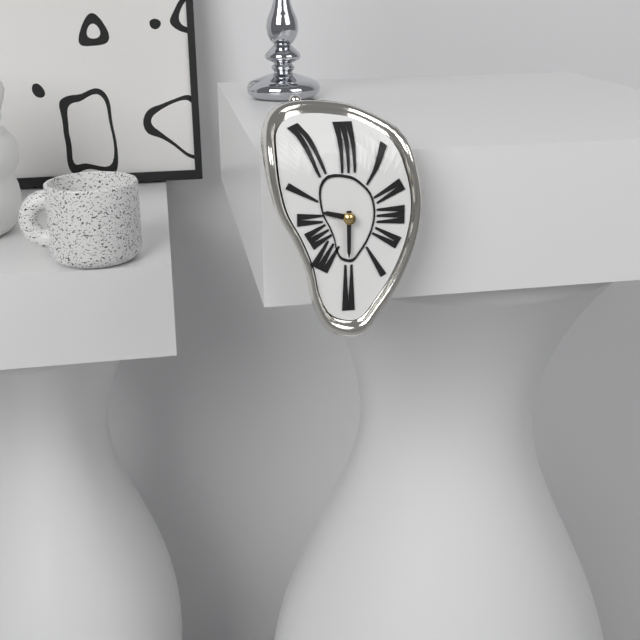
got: h=9 m=30
